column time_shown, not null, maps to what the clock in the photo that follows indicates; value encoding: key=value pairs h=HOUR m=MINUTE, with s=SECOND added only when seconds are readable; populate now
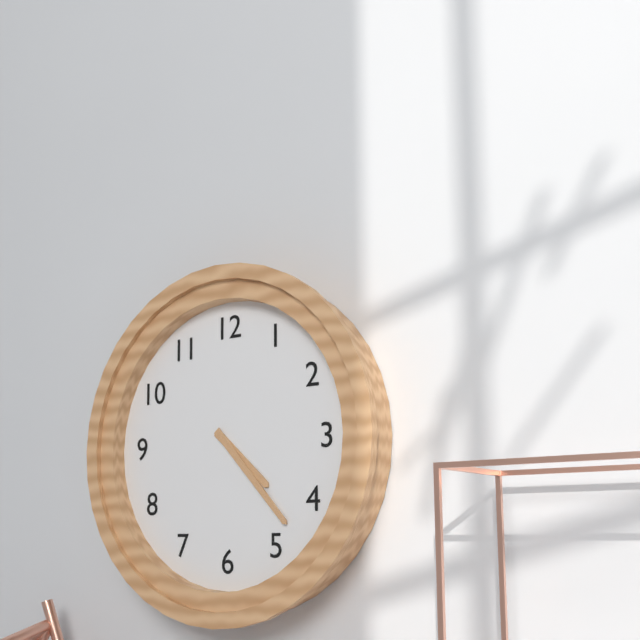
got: h=4 m=23
